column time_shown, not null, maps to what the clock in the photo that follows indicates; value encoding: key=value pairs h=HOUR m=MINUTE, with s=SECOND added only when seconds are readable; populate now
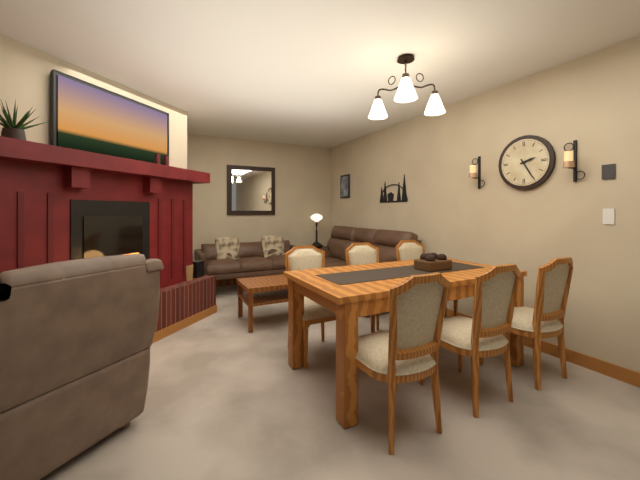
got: h=2 m=25
